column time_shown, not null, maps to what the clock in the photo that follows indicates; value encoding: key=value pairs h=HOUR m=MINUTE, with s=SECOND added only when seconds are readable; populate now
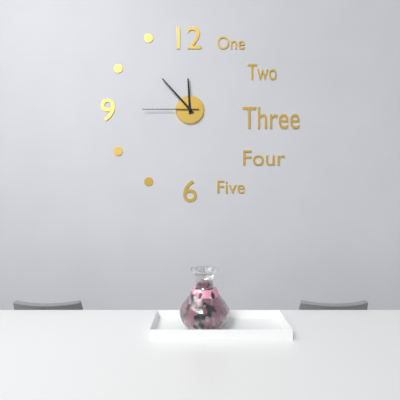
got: h=11 m=53 s=45
